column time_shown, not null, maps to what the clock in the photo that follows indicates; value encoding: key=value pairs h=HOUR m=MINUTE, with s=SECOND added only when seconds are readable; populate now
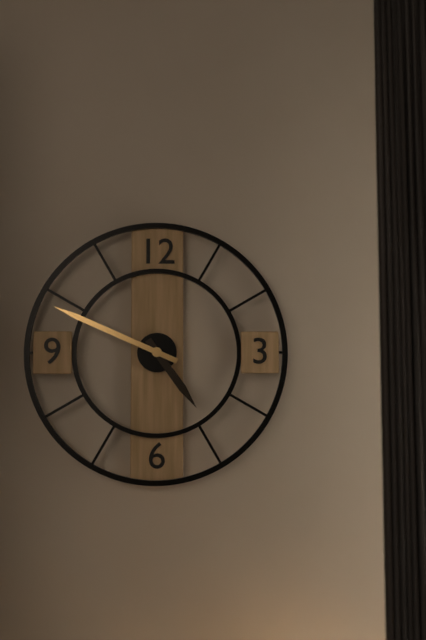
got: h=4 m=49
